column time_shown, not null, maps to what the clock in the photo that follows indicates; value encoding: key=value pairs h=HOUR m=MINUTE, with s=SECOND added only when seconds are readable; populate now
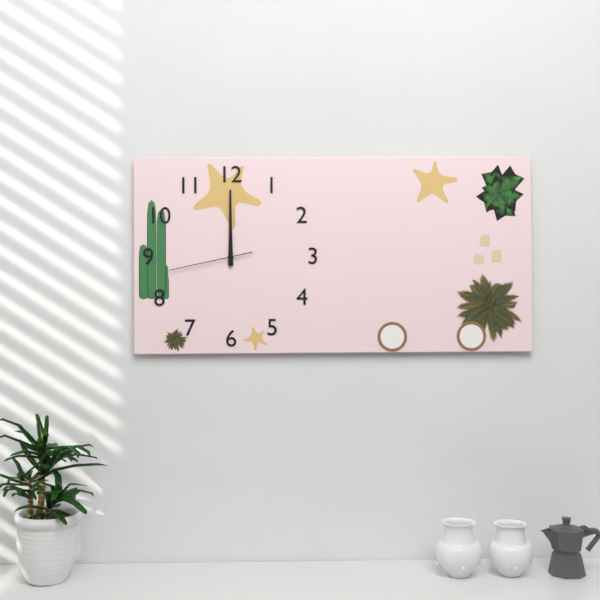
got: h=12 m=0 s=43
